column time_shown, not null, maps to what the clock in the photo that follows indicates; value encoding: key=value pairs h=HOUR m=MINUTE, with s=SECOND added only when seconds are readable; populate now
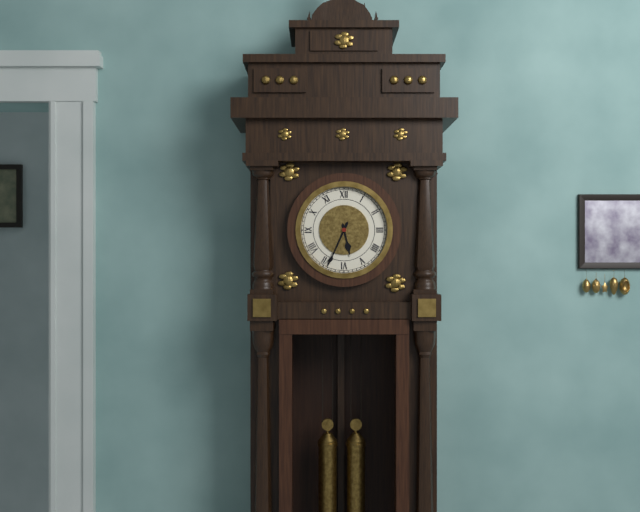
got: h=5 m=34
